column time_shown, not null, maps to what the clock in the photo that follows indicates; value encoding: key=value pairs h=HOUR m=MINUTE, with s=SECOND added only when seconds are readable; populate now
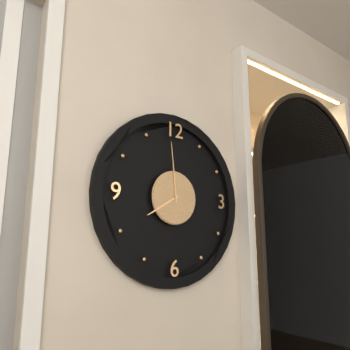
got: h=7 m=59
